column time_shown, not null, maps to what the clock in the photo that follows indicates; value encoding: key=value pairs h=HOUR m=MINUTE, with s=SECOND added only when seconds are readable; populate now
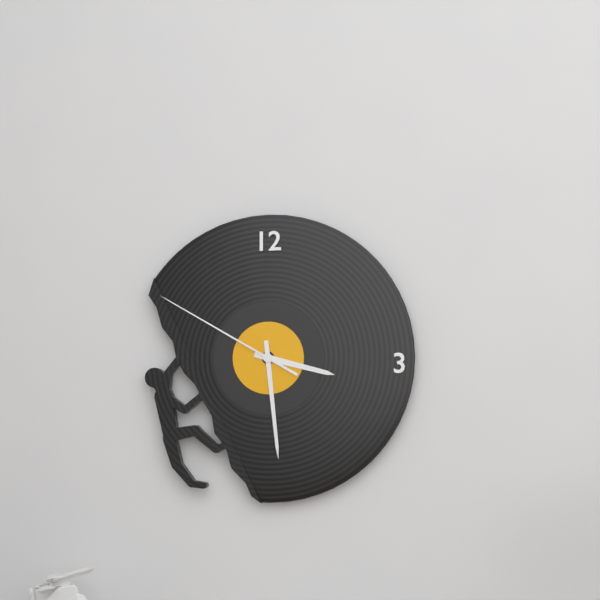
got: h=3 m=29 s=50
